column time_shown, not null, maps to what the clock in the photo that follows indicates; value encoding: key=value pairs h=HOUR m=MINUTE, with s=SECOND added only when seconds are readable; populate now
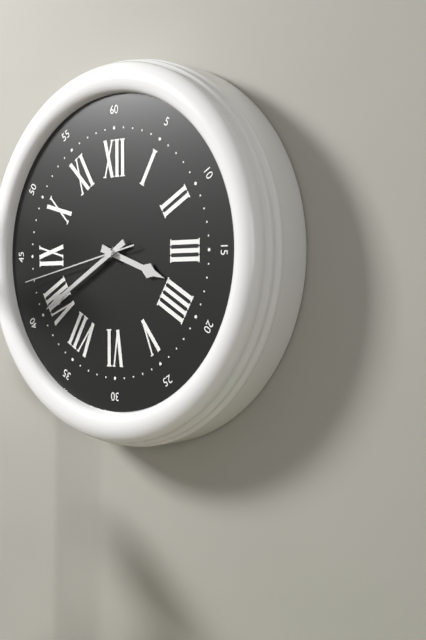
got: h=3 m=40 s=43
